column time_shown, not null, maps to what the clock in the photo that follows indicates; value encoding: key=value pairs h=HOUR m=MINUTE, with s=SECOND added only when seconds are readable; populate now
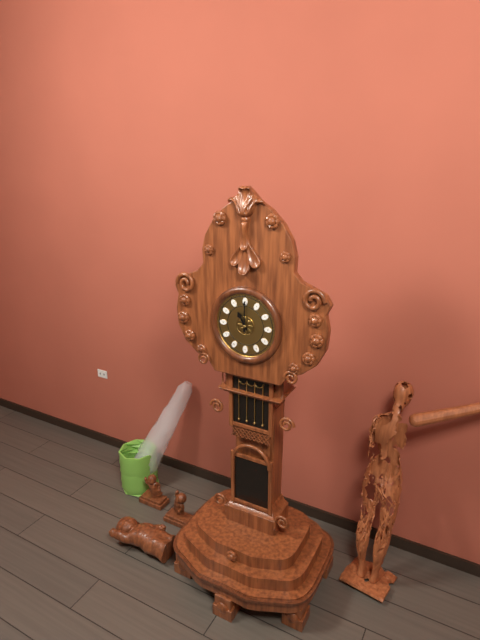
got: h=11 m=0
